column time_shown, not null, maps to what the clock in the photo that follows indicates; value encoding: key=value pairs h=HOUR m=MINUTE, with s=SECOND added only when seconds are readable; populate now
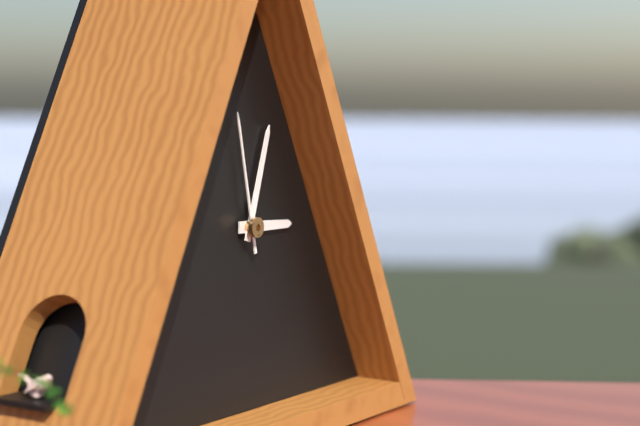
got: h=3 m=3 s=58
